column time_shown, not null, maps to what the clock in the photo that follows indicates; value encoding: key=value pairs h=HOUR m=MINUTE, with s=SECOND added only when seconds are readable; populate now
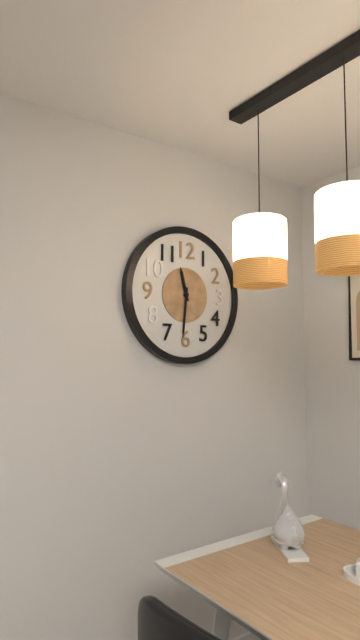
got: h=11 m=31
